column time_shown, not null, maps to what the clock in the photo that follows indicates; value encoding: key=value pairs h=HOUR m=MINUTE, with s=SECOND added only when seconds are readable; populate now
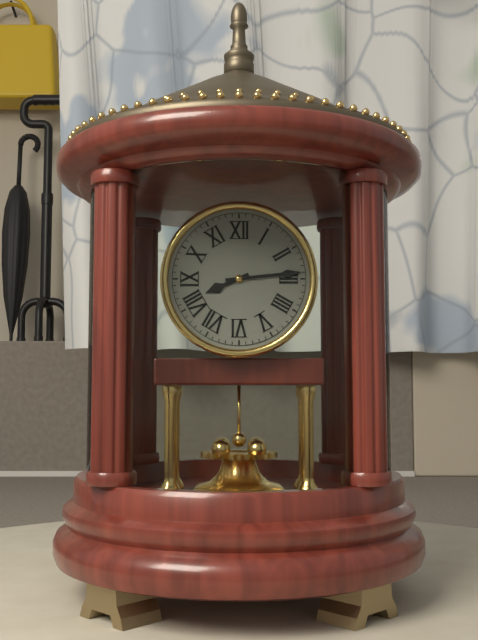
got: h=8 m=14
